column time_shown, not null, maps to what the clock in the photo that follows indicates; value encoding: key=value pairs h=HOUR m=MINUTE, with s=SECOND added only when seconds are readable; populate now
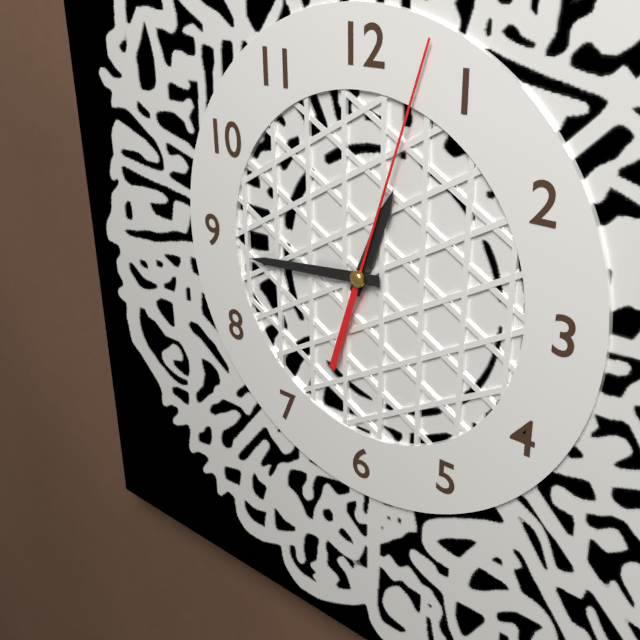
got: h=12 m=44 s=3
